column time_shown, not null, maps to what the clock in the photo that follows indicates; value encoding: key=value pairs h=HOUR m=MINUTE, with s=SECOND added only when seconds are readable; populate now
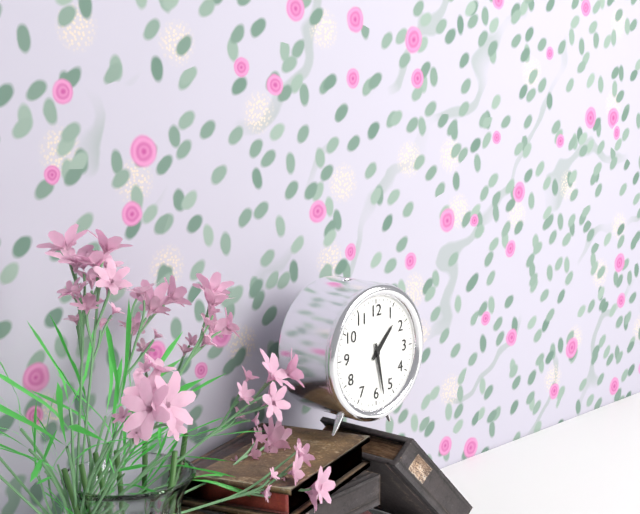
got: h=1 m=28
